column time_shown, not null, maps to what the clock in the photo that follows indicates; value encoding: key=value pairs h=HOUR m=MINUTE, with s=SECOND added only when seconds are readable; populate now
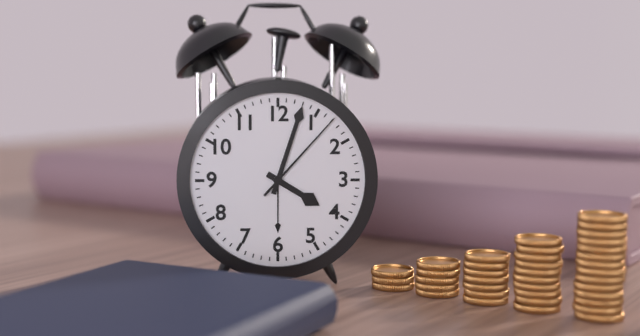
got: h=4 m=3 s=7
